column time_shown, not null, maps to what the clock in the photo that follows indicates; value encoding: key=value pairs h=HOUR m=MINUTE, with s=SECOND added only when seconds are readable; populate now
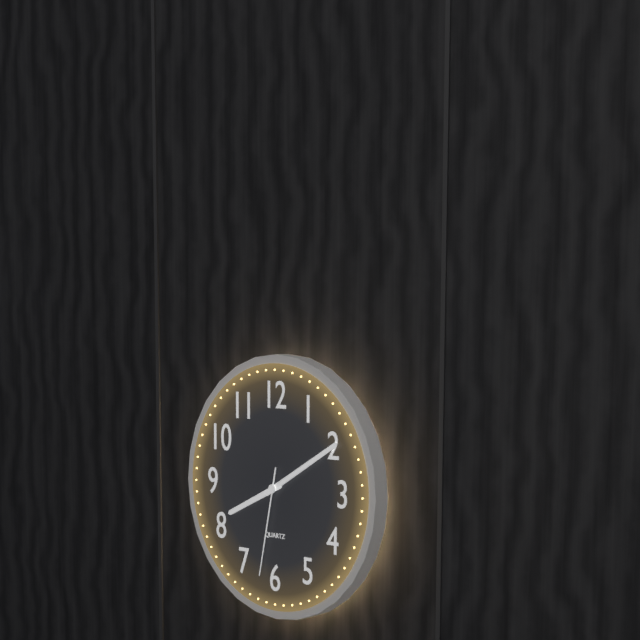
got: h=8 m=10 s=32
